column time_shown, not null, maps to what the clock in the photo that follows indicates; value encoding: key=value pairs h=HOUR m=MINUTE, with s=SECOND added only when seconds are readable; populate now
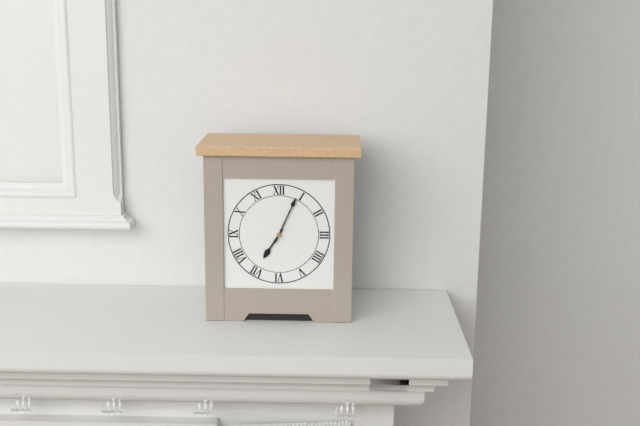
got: h=7 m=4
